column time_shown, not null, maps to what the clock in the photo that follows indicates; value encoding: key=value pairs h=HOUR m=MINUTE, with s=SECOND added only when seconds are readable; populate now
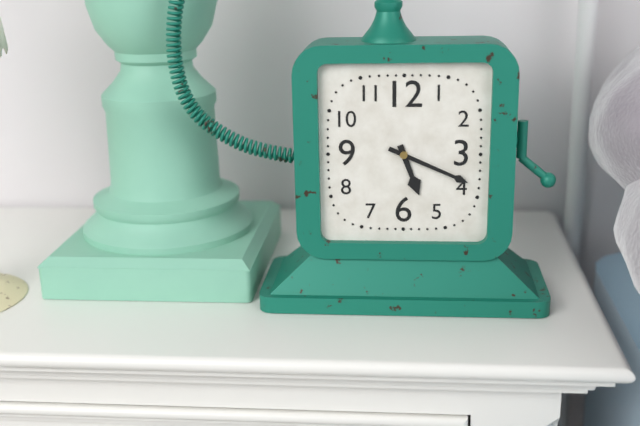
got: h=5 m=19
